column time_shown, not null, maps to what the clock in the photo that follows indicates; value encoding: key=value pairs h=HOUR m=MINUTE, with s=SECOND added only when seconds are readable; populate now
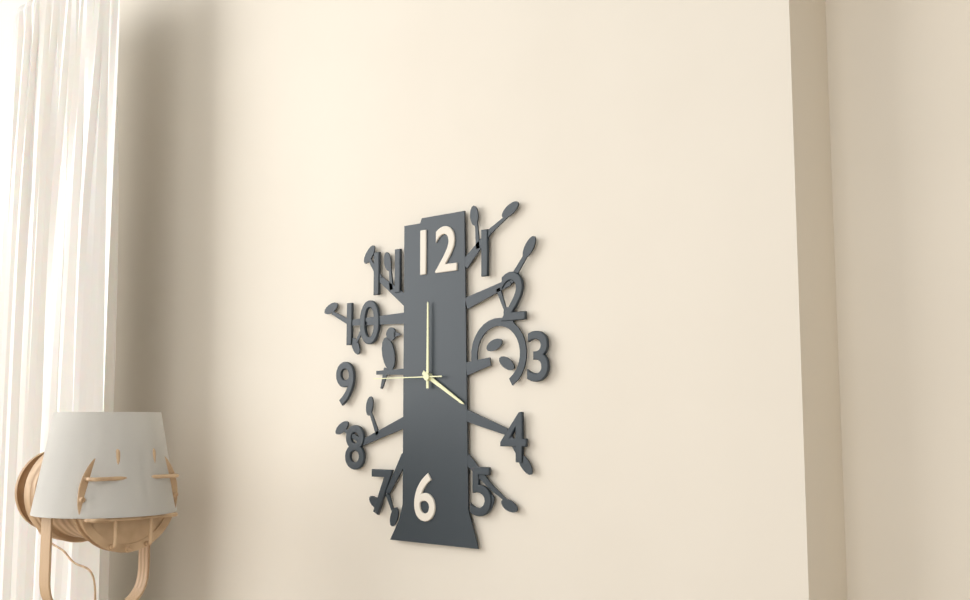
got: h=4 m=0 s=45
